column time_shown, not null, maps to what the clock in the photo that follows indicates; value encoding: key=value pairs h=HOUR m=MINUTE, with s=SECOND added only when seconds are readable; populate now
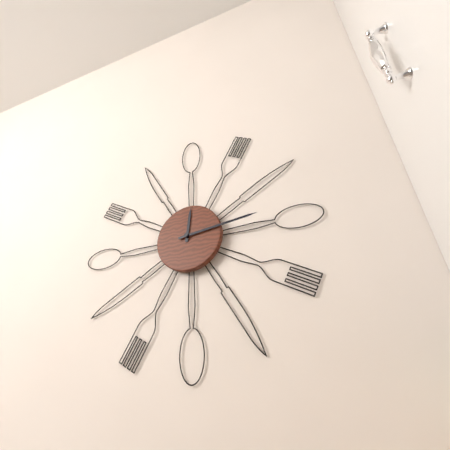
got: h=12 m=14
